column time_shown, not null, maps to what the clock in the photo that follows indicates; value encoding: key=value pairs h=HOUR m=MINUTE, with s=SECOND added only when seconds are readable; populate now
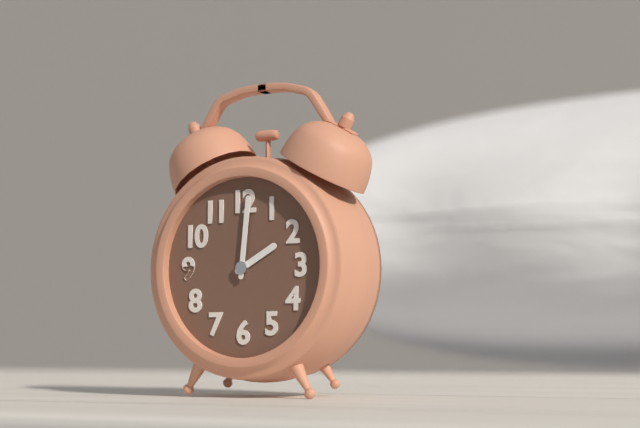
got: h=2 m=1
